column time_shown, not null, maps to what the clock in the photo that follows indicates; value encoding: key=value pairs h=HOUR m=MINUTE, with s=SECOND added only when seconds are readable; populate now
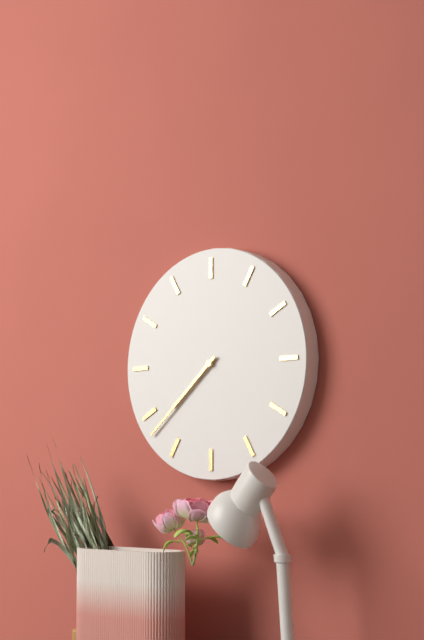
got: h=7 m=38
